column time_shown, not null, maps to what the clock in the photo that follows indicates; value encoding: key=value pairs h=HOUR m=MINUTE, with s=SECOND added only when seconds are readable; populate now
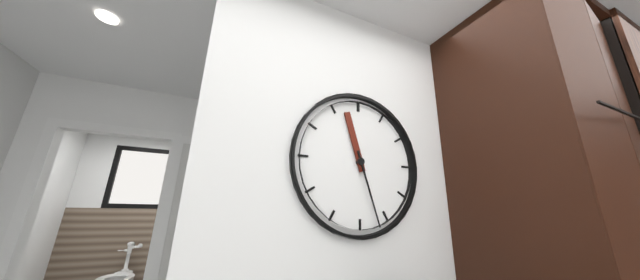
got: h=11 m=27
